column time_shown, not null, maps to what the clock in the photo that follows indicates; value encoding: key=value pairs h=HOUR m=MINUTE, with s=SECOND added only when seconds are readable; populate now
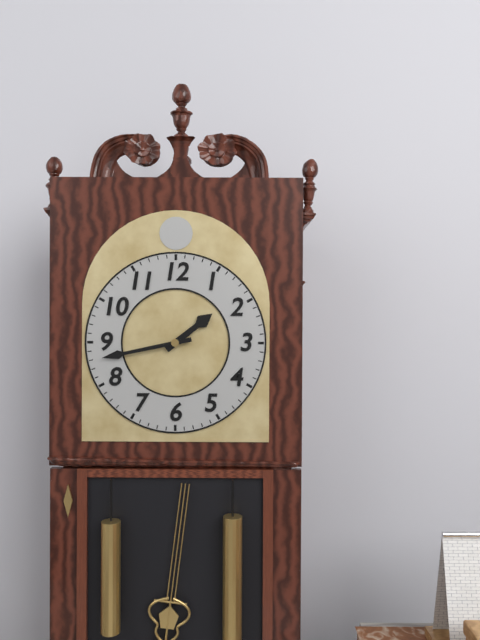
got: h=1 m=43
